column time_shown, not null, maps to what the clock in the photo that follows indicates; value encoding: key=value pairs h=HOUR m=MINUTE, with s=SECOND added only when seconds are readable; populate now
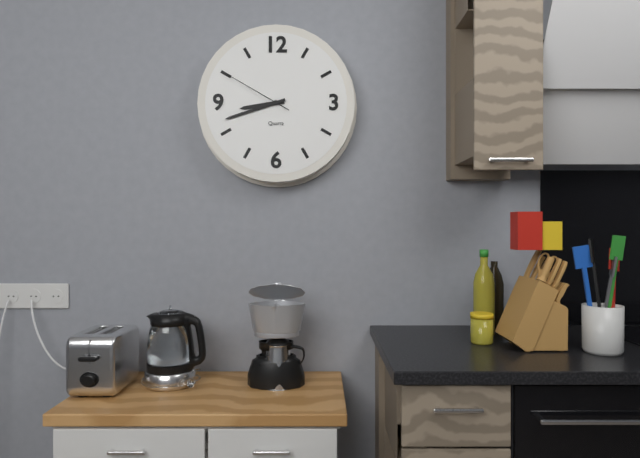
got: h=8 m=42 s=50
